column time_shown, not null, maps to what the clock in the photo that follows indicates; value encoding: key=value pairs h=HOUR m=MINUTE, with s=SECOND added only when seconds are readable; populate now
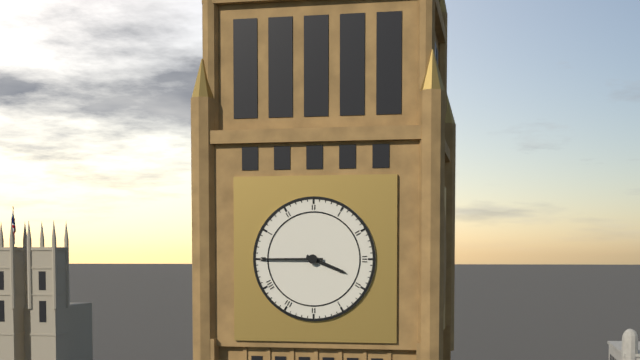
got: h=3 m=45
